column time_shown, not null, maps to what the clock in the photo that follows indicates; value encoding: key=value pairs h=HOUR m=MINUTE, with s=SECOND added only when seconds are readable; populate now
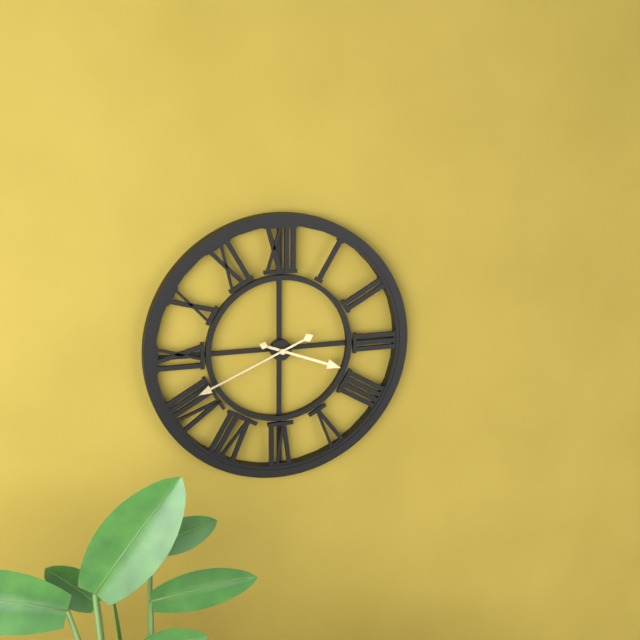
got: h=3 m=41
